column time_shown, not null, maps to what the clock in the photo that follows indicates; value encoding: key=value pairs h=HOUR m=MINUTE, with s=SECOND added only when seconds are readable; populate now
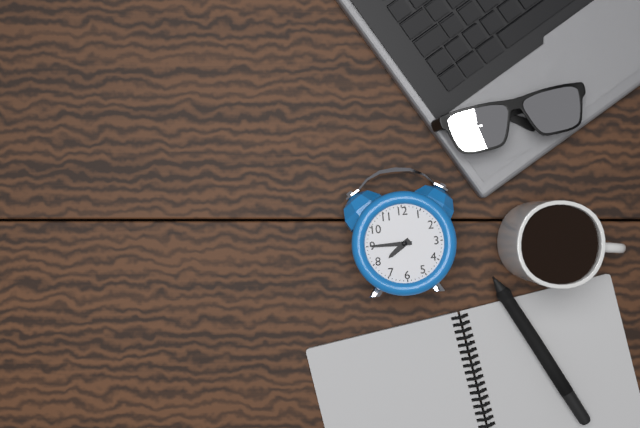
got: h=7 m=45
